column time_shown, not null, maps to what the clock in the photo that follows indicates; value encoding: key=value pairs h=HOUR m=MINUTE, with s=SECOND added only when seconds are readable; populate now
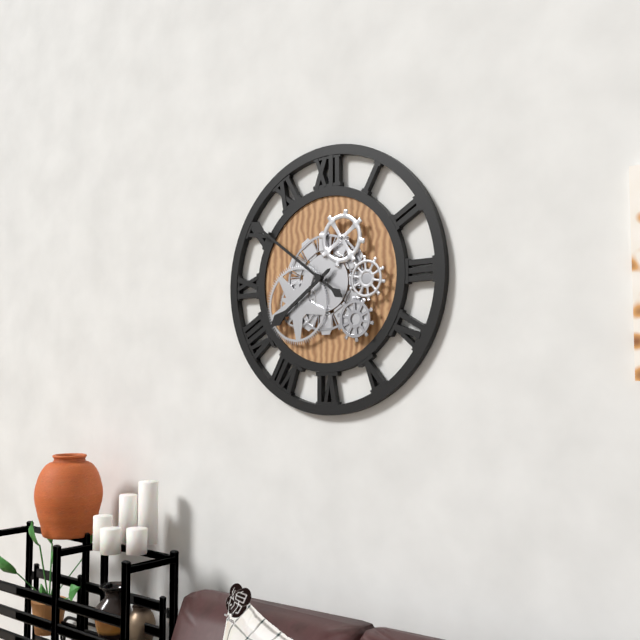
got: h=7 m=51
